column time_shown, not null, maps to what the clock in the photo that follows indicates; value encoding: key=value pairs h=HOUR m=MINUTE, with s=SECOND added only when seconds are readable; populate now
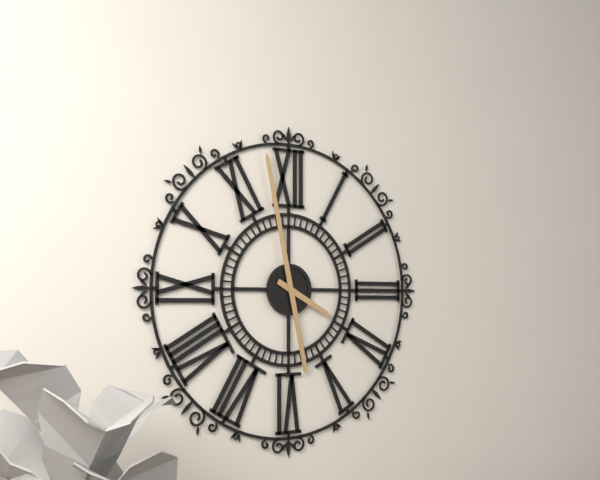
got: h=3 m=58
